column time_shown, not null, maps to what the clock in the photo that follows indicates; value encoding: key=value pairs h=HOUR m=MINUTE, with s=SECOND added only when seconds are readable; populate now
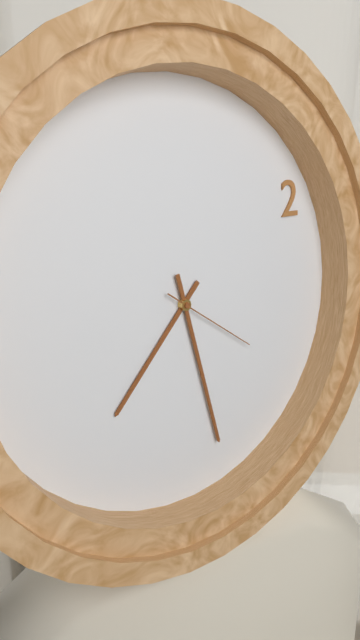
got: h=7 m=28 s=21
